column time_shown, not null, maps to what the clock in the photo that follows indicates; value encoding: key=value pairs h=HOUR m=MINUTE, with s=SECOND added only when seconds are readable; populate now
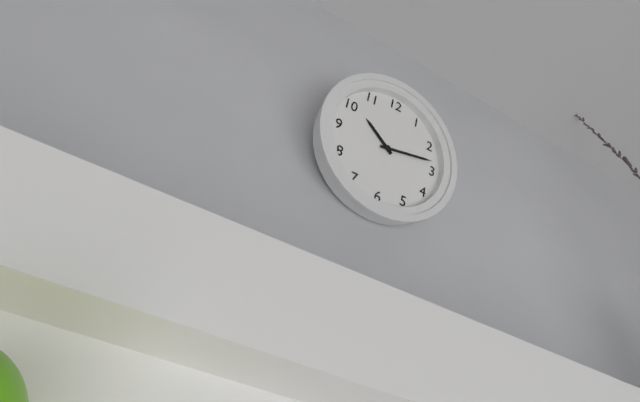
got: h=10 m=13
